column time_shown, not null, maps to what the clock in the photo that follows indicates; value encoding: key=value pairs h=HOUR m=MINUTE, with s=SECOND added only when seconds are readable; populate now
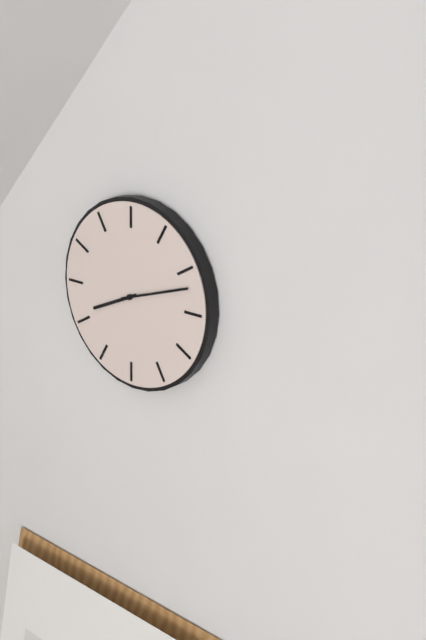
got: h=8 m=12
